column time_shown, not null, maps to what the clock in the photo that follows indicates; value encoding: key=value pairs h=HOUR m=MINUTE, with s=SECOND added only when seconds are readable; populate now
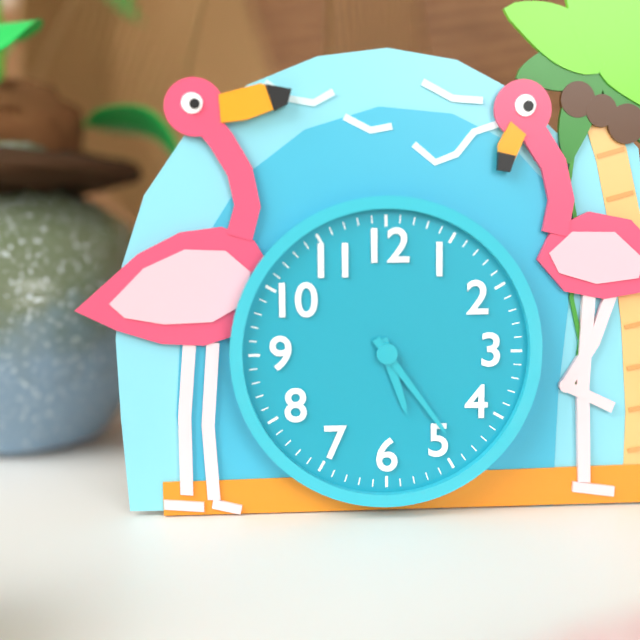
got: h=5 m=24
